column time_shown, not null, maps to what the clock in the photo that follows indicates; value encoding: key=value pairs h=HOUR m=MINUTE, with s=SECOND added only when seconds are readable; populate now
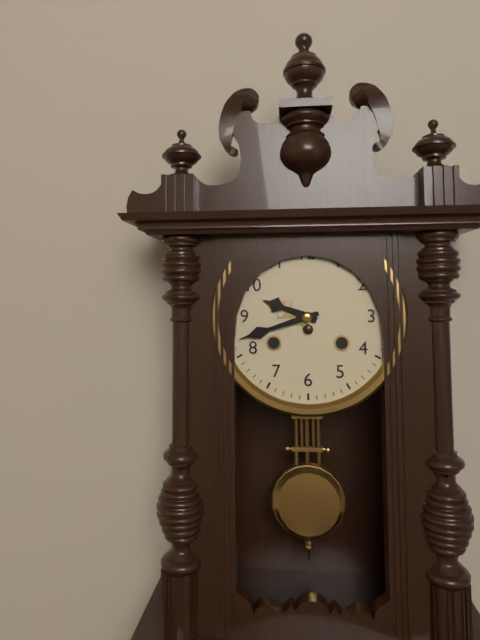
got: h=9 m=42
